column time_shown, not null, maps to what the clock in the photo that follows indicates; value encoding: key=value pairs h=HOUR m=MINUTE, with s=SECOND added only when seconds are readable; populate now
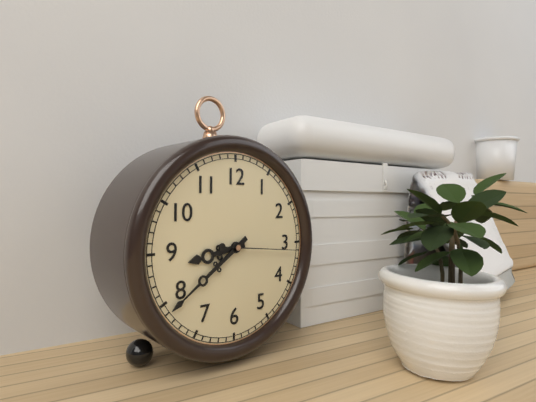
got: h=8 m=39 s=16
